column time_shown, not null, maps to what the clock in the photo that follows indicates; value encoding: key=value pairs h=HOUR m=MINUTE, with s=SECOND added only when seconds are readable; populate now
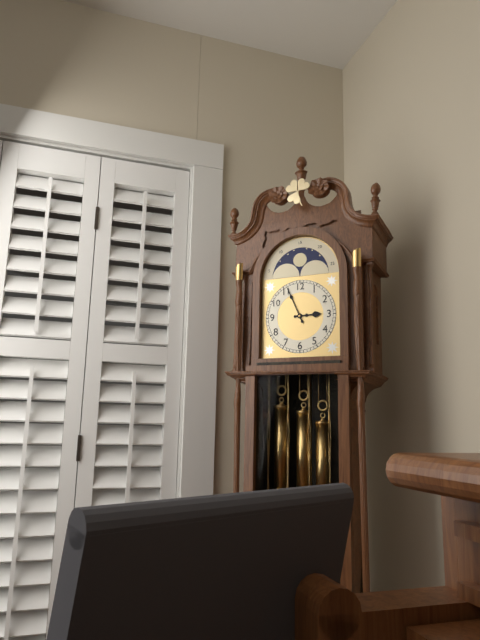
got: h=2 m=56
